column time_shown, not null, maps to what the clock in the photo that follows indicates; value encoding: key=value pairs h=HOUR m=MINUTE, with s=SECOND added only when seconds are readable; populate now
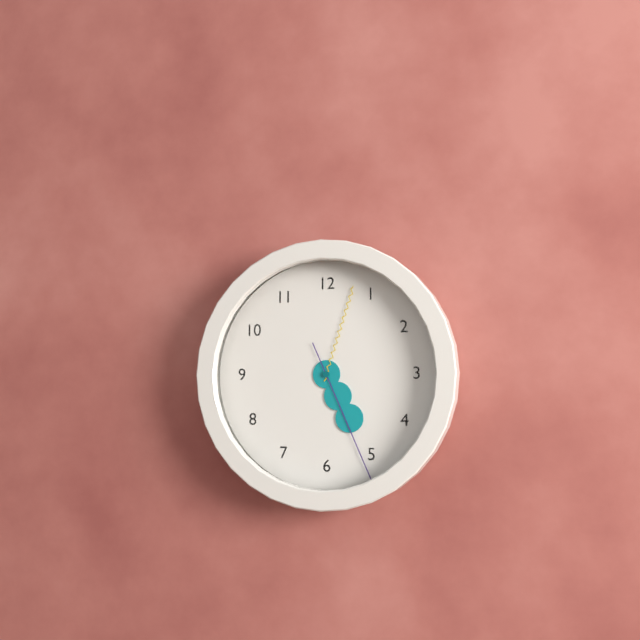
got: h=5 m=3 s=26
